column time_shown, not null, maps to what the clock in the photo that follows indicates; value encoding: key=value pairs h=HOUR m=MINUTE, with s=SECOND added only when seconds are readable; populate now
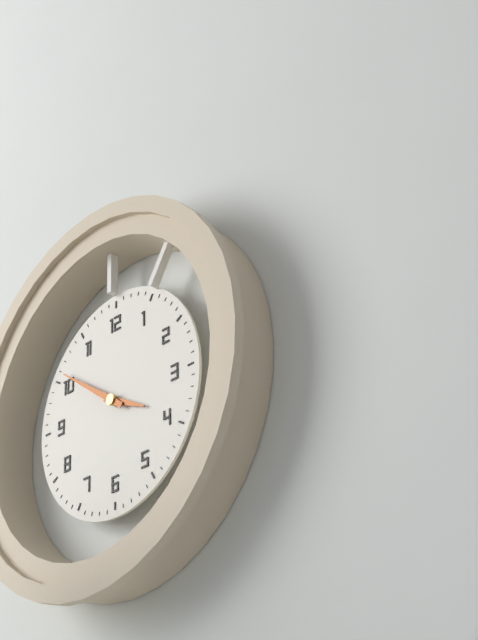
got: h=3 m=51
